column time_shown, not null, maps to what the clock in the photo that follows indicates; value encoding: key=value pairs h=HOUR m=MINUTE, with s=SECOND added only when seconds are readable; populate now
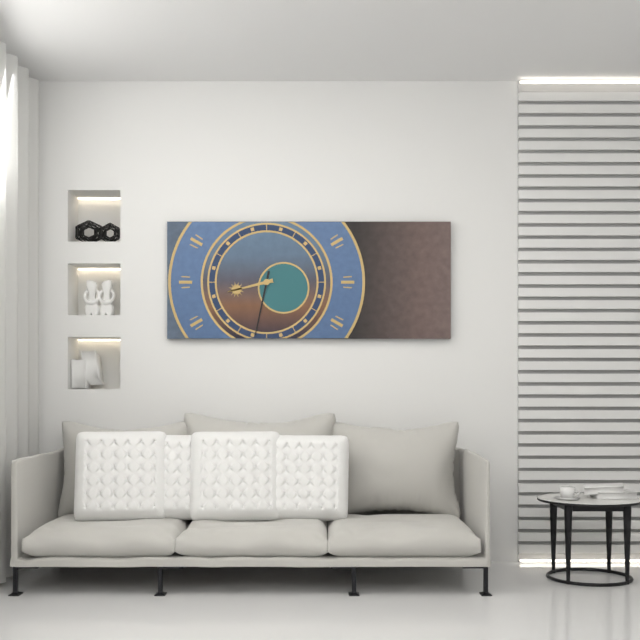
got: h=8 m=32
